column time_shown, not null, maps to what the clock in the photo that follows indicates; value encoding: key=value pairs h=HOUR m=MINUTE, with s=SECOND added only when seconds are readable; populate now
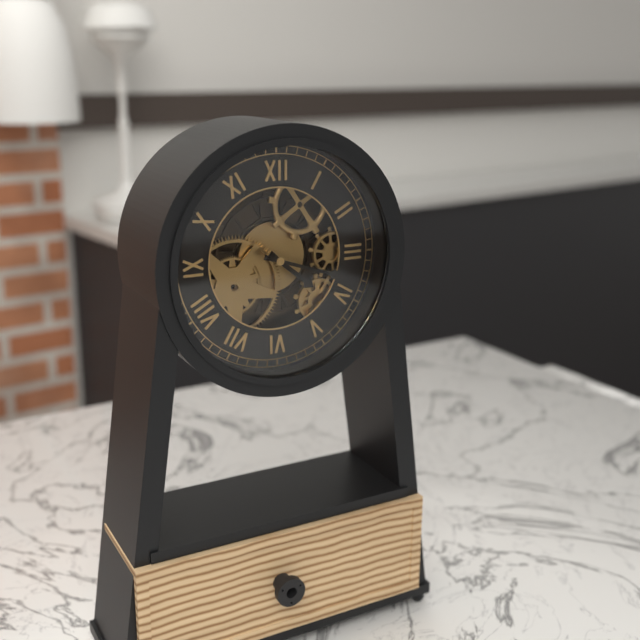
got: h=4 m=18
